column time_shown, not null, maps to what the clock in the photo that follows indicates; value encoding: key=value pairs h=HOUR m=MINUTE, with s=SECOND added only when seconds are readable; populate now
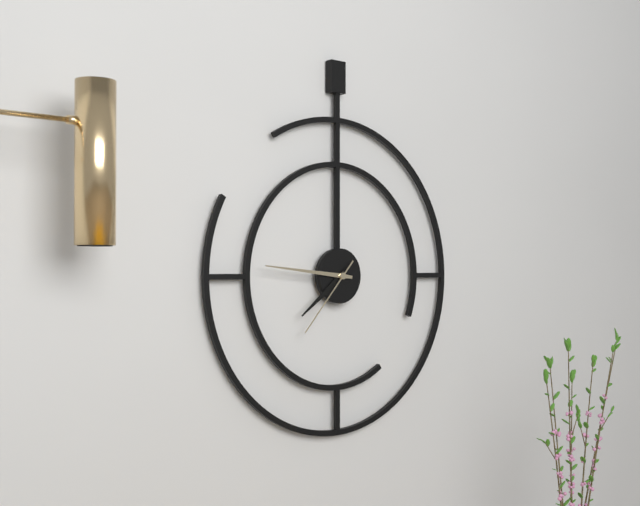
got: h=7 m=46 s=37
